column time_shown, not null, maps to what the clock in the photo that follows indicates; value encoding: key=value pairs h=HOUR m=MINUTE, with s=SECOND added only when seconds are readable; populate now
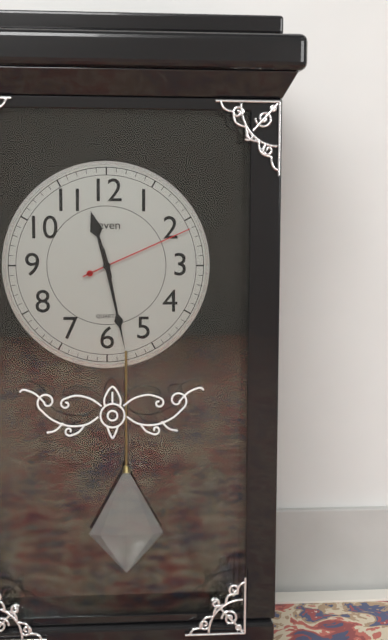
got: h=11 m=28 s=11
